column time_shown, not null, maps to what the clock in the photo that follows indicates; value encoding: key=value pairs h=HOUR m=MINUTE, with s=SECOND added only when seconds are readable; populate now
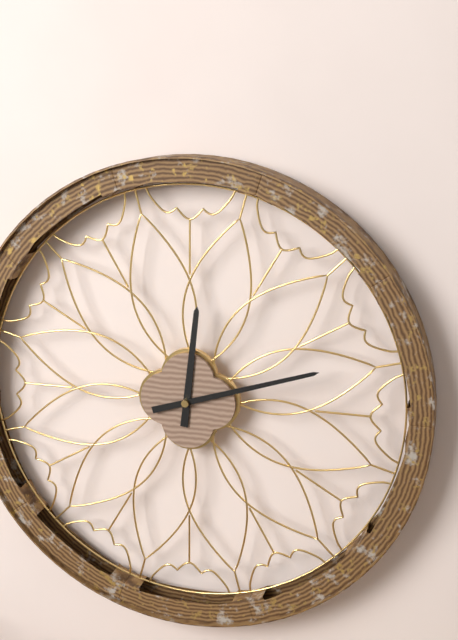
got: h=12 m=12
